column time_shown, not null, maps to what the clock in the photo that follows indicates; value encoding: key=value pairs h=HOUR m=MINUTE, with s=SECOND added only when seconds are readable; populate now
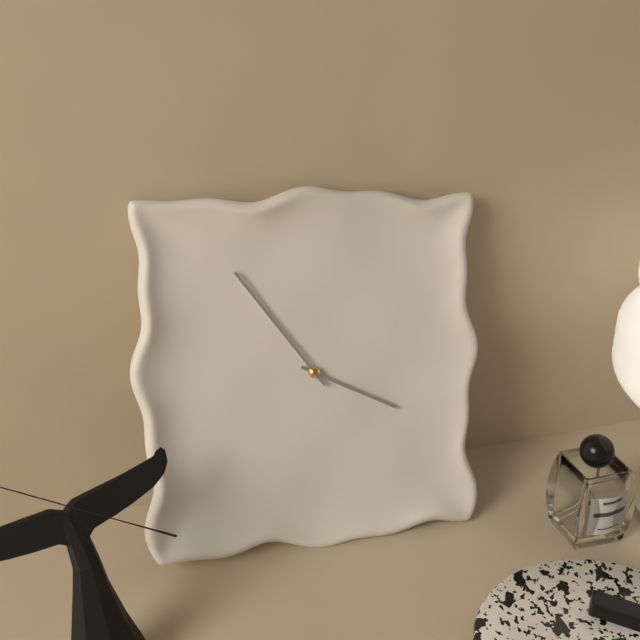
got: h=3 m=54
